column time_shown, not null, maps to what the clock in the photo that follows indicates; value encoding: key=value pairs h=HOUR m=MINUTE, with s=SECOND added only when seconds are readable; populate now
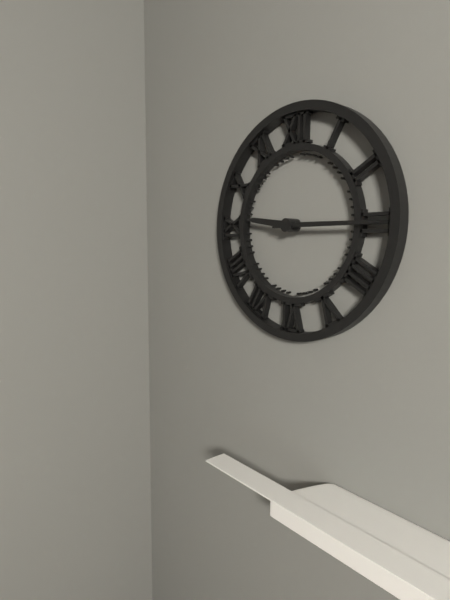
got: h=9 m=15
